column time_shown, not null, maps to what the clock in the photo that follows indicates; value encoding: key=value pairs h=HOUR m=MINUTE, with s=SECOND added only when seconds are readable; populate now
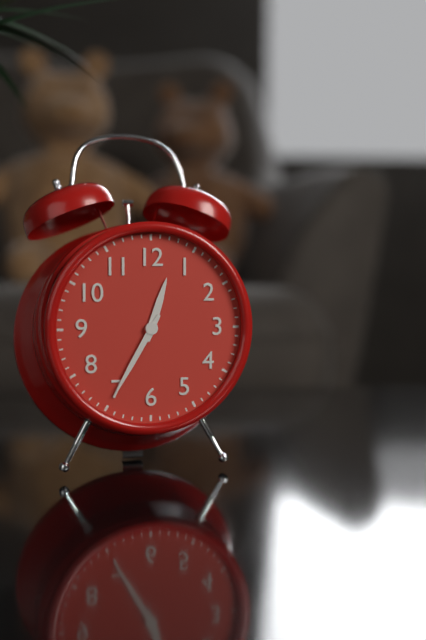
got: h=12 m=35
